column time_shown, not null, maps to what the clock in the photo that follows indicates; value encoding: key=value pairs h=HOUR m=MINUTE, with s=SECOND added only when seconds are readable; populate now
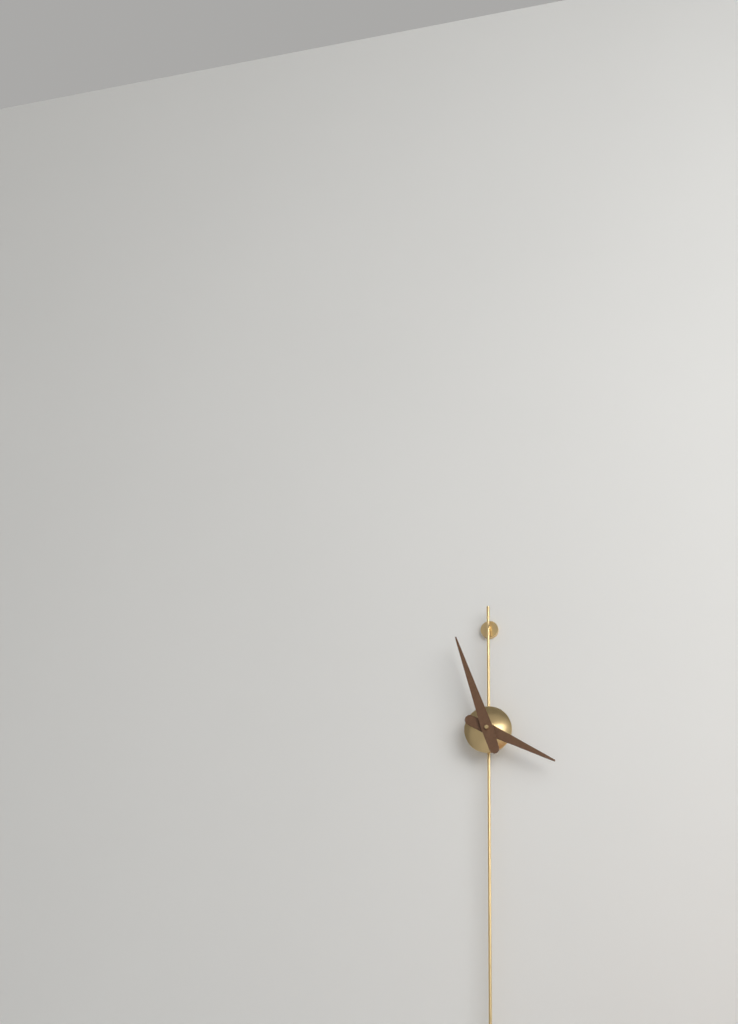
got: h=3 m=57
